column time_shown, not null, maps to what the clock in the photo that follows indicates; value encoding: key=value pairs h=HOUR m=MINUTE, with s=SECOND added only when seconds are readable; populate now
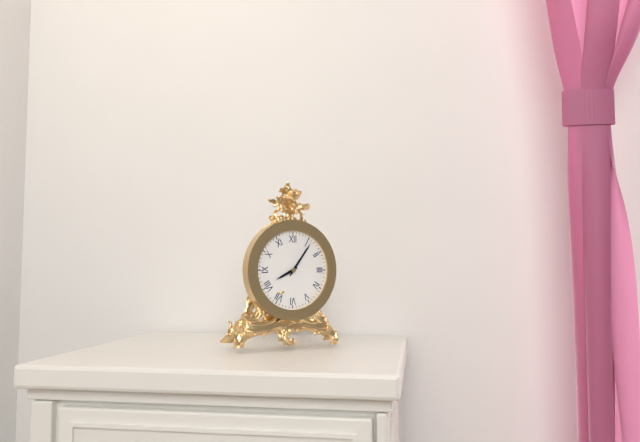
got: h=8 m=6
